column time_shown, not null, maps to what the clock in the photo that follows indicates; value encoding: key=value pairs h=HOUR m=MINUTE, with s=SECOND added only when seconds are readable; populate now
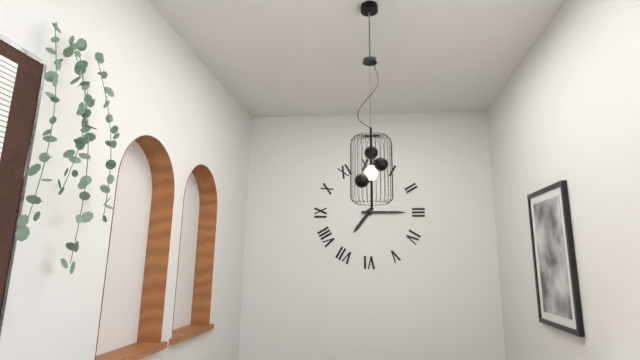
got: h=7 m=15
